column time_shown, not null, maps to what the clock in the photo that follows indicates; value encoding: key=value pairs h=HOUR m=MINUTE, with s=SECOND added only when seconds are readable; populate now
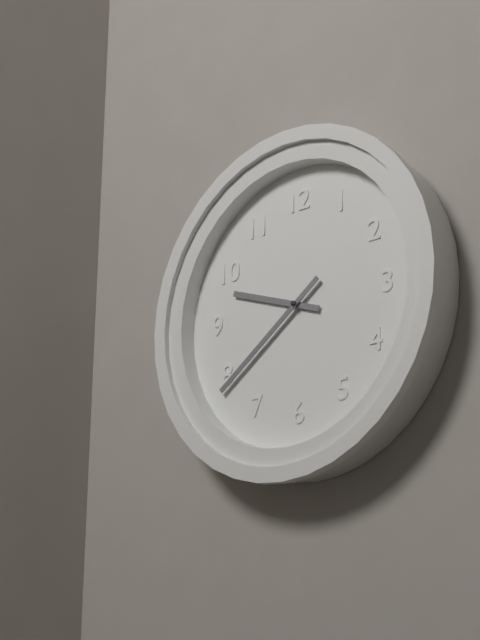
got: h=9 m=39
